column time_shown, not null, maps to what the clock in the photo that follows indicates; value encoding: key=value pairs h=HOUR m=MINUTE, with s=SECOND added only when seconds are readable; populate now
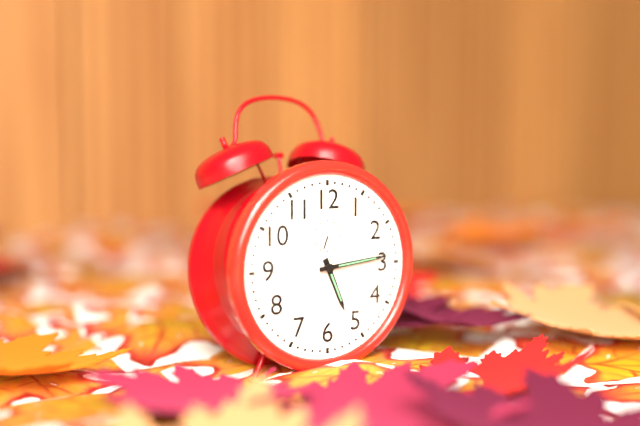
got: h=5 m=14
